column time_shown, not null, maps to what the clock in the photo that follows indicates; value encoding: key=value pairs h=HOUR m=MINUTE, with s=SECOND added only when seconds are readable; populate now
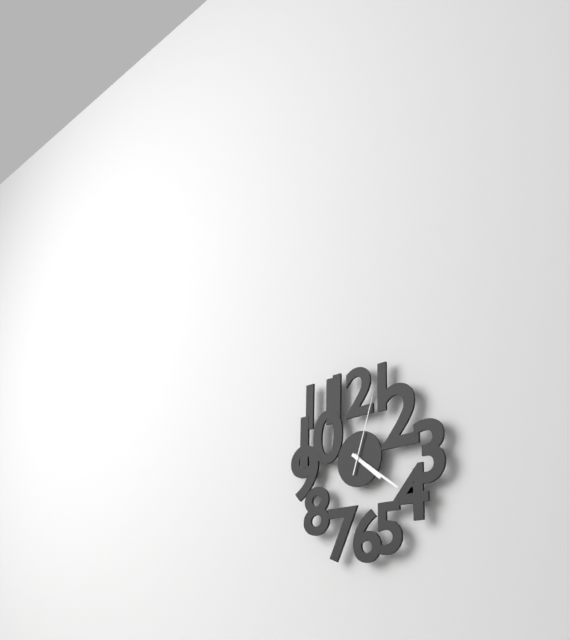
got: h=4 m=21 s=3
